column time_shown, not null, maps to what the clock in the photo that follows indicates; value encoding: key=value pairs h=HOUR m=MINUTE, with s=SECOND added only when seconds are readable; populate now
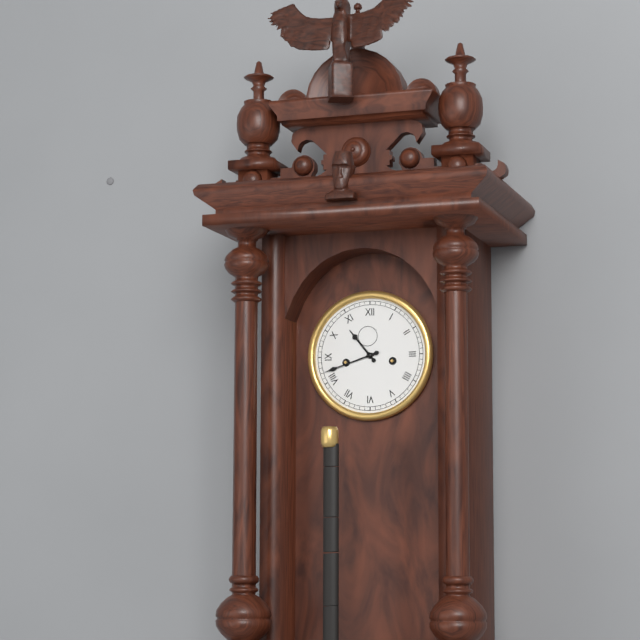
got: h=10 m=42
